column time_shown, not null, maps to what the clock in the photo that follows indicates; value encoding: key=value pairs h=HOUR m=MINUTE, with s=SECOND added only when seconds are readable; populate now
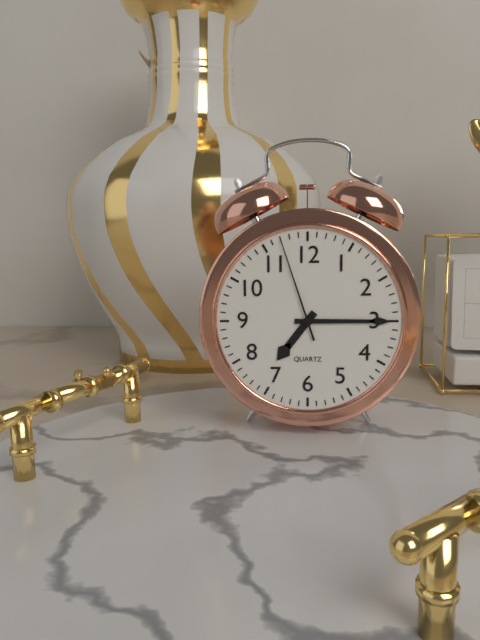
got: h=7 m=15 s=57
